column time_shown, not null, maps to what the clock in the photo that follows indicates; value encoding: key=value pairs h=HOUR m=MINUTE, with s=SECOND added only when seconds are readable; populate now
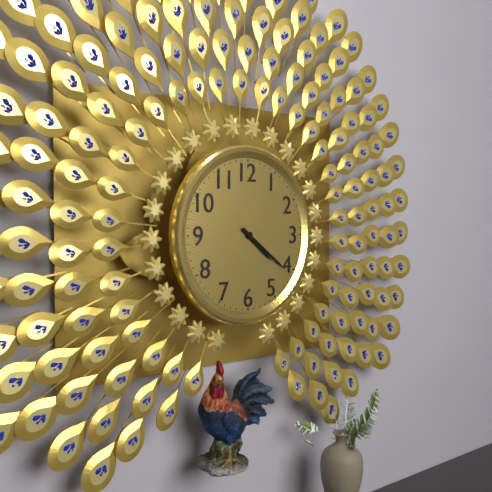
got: h=4 m=21
